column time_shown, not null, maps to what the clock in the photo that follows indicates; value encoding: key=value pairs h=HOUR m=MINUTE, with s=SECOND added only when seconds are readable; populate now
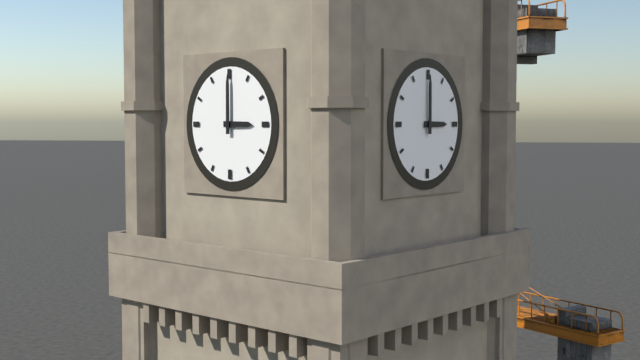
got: h=3 m=0
